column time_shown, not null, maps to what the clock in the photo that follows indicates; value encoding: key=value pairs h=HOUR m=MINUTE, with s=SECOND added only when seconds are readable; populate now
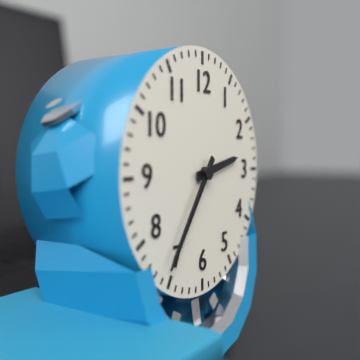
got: h=2 m=36
